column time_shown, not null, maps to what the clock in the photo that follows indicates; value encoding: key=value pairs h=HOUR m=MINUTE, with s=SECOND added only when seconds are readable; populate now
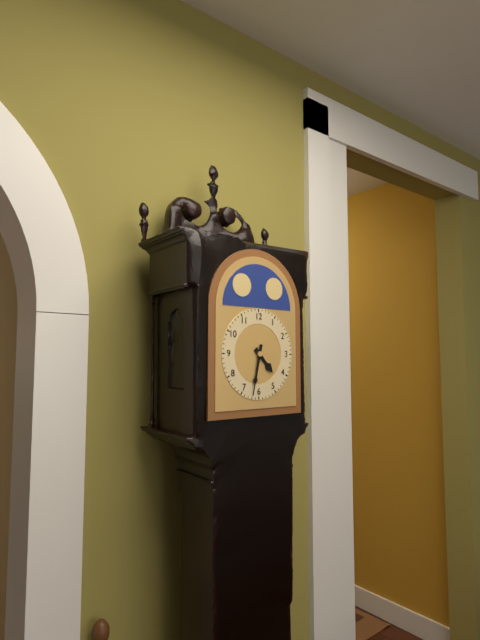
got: h=4 m=32
